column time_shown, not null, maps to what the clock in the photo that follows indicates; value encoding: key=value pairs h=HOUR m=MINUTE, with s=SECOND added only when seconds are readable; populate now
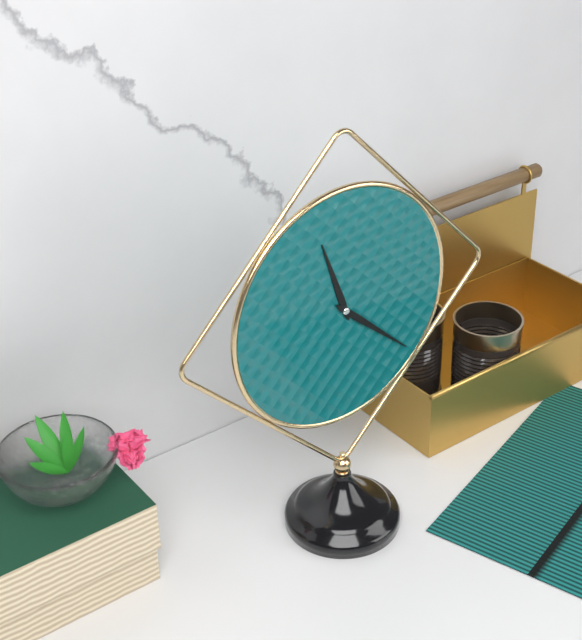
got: h=11 m=22
